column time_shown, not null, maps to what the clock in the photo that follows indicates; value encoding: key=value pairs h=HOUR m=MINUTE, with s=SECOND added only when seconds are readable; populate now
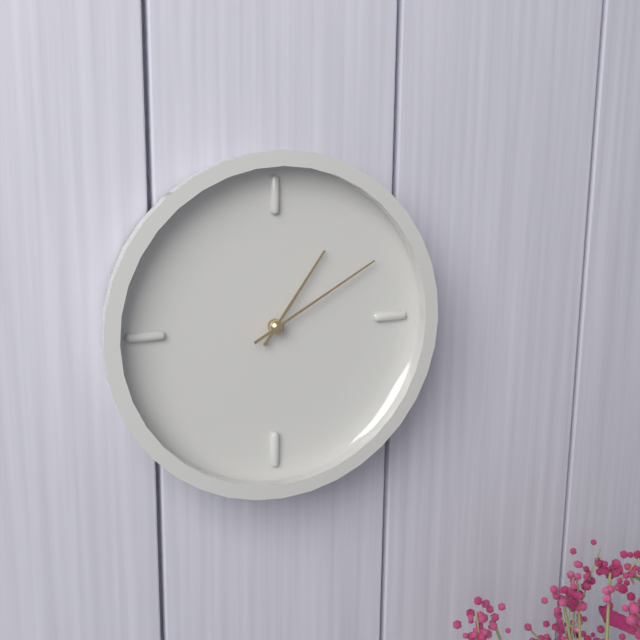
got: h=1 m=10
